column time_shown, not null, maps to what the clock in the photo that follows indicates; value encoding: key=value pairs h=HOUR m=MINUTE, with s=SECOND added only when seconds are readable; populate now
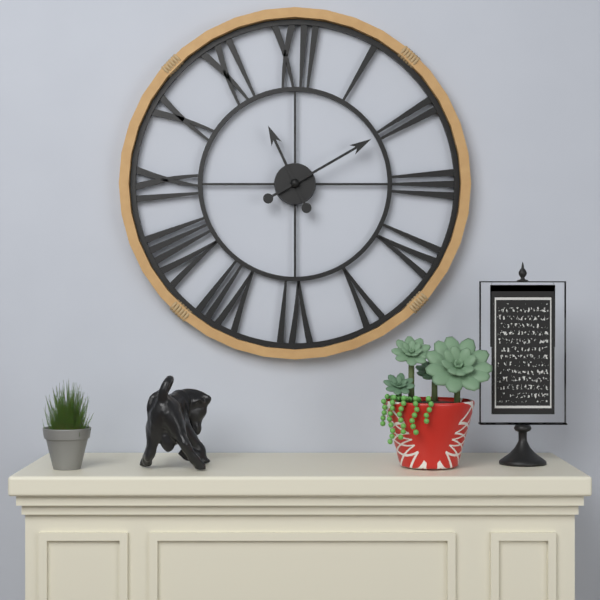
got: h=11 m=10
